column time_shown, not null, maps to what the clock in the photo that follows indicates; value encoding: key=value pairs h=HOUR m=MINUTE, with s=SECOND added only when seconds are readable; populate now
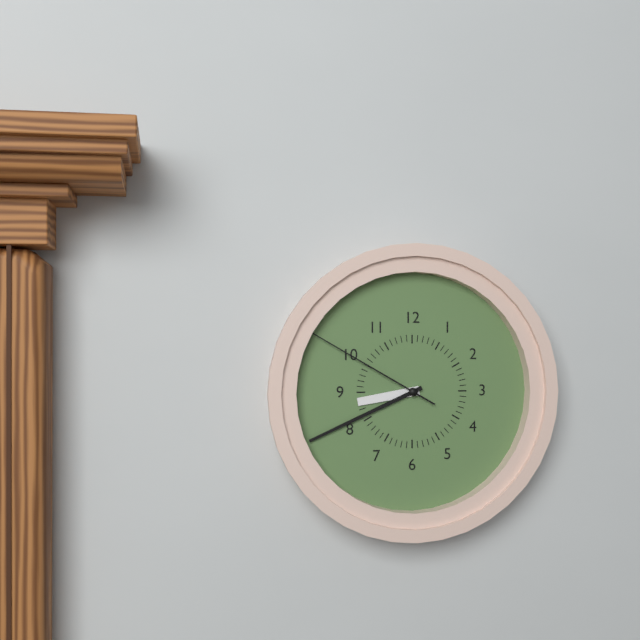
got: h=8 m=41 s=50
